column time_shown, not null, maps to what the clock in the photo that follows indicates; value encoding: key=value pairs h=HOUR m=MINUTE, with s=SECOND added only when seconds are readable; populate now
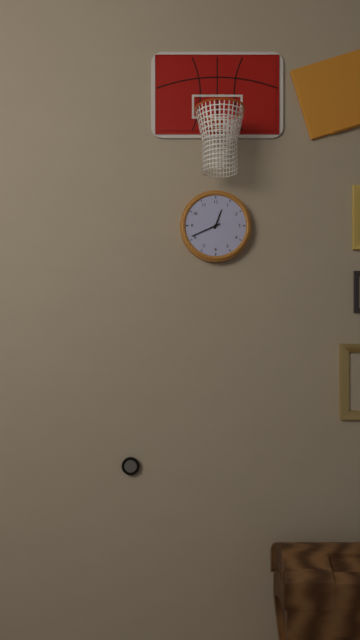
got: h=12 m=41
